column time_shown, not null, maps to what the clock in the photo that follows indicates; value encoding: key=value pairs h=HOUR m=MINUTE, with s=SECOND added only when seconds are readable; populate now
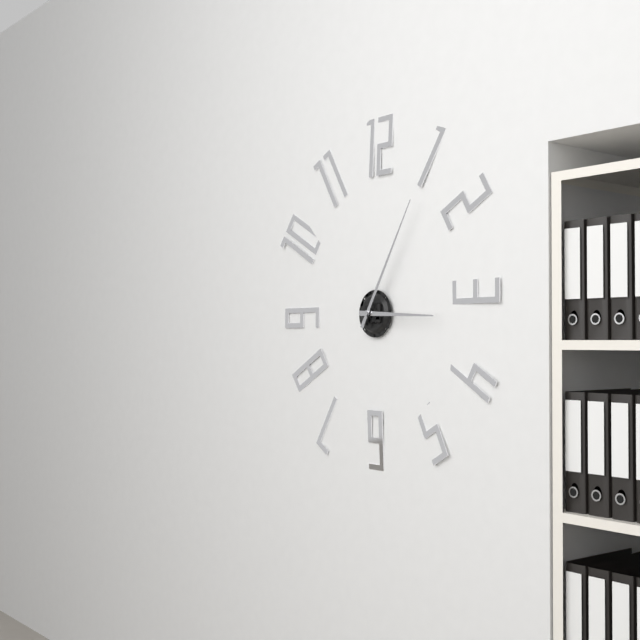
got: h=3 m=5
